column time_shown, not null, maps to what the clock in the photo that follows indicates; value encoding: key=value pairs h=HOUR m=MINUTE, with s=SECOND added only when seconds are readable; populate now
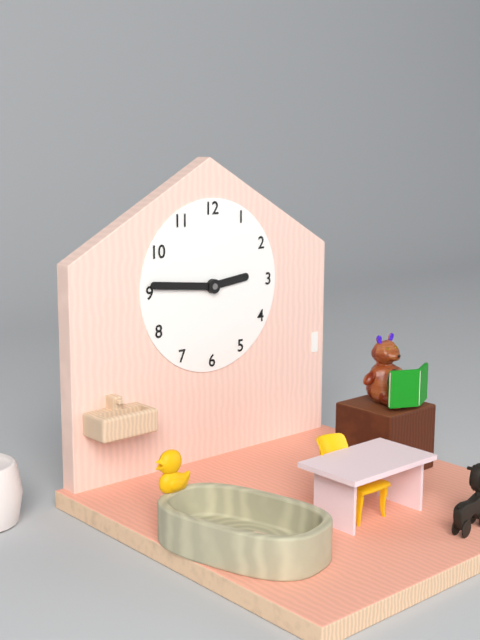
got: h=2 m=46
